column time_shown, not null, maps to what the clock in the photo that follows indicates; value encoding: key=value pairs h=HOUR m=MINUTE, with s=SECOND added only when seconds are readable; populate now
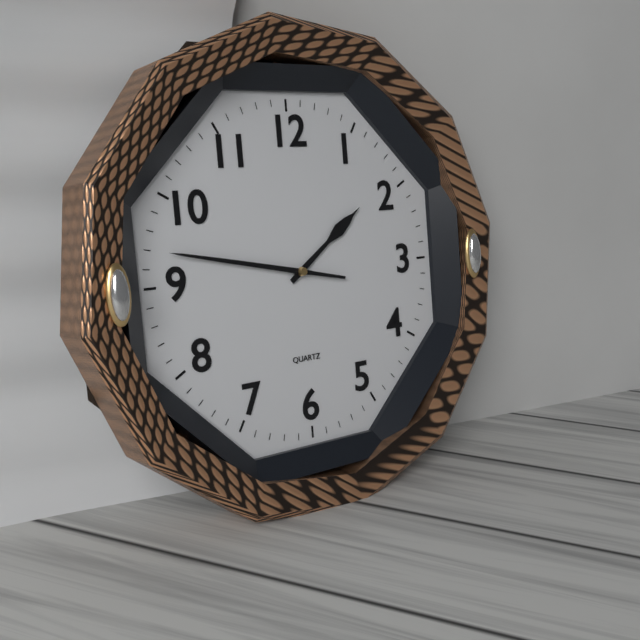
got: h=1 m=47
